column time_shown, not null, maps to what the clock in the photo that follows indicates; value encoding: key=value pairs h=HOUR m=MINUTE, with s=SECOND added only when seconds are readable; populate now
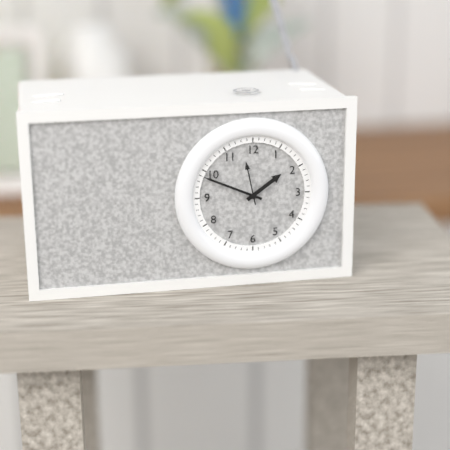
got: h=1 m=49
